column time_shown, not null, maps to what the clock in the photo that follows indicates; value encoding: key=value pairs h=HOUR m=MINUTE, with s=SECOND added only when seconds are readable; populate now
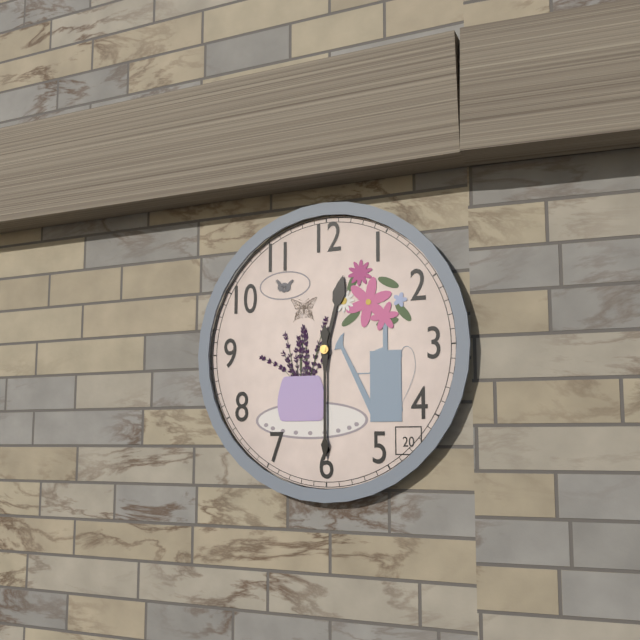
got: h=12 m=30
